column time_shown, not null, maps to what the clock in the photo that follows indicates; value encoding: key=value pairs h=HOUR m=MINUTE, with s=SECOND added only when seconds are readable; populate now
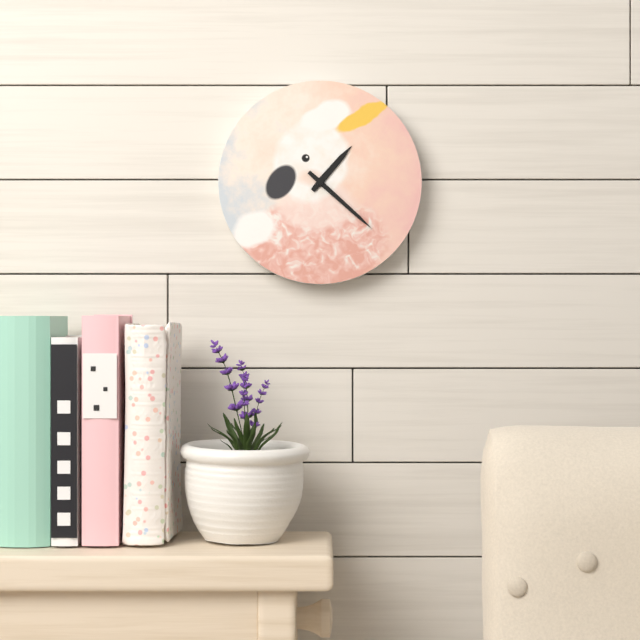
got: h=1 m=22
